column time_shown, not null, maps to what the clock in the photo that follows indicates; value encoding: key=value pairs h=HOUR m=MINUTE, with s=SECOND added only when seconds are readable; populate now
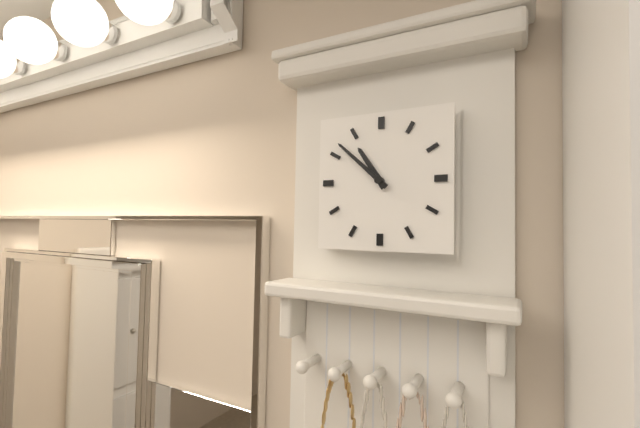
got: h=10 m=52
